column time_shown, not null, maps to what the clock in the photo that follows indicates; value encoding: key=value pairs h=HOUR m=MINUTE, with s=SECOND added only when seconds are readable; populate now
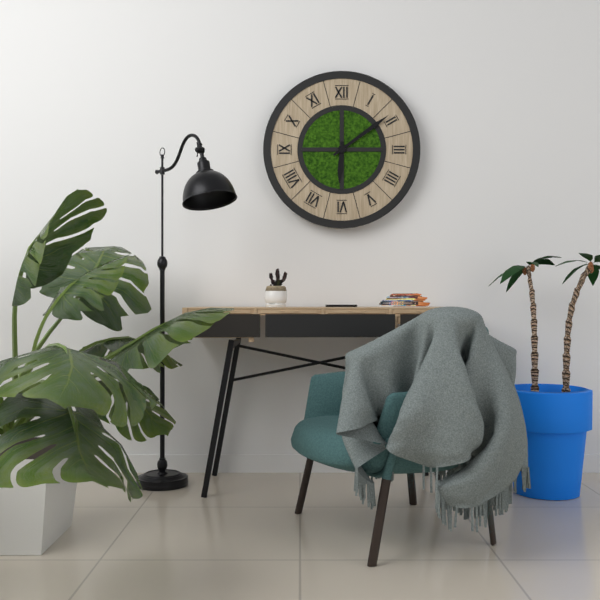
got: h=6 m=9
